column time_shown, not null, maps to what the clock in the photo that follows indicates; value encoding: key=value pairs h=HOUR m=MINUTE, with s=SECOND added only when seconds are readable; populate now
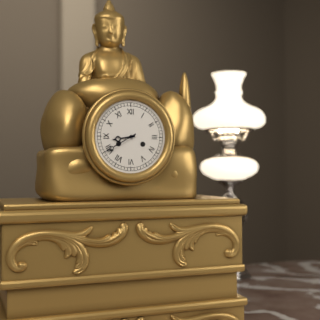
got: h=8 m=40
